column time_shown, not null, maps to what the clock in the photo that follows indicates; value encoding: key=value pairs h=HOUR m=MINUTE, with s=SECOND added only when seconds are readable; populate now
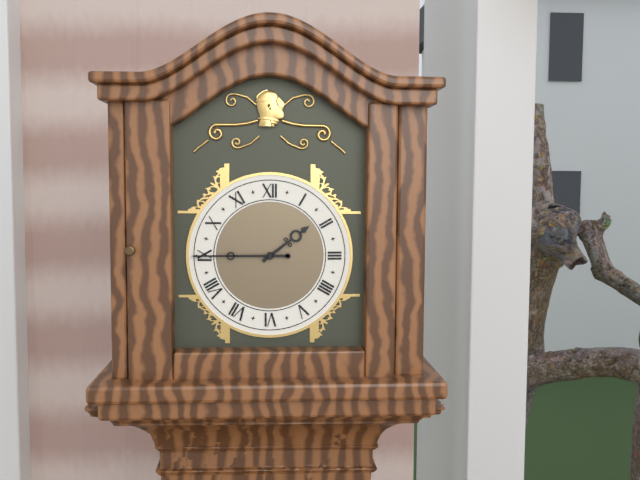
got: h=1 m=45
